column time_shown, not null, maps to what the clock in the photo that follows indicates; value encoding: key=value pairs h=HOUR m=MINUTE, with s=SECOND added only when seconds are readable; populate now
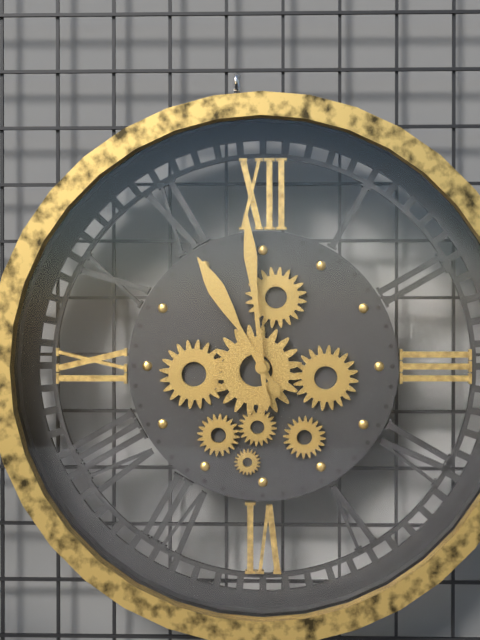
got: h=10 m=59
